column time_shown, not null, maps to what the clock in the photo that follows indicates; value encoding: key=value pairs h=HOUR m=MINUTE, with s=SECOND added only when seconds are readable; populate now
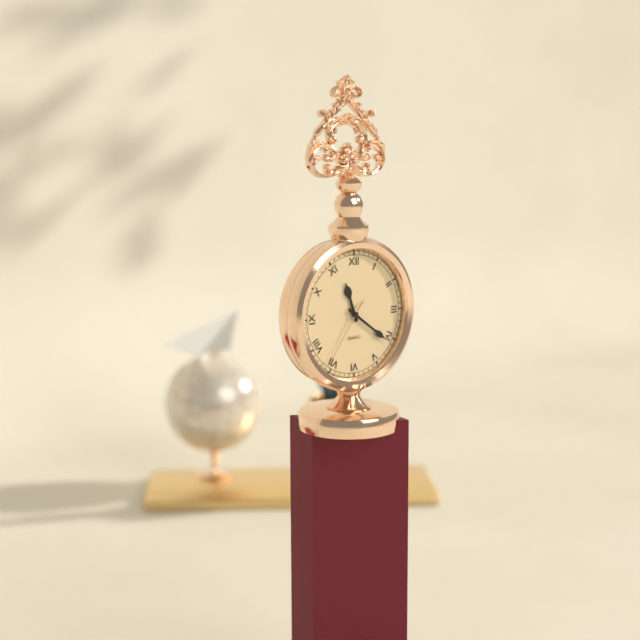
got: h=11 m=21 s=36
